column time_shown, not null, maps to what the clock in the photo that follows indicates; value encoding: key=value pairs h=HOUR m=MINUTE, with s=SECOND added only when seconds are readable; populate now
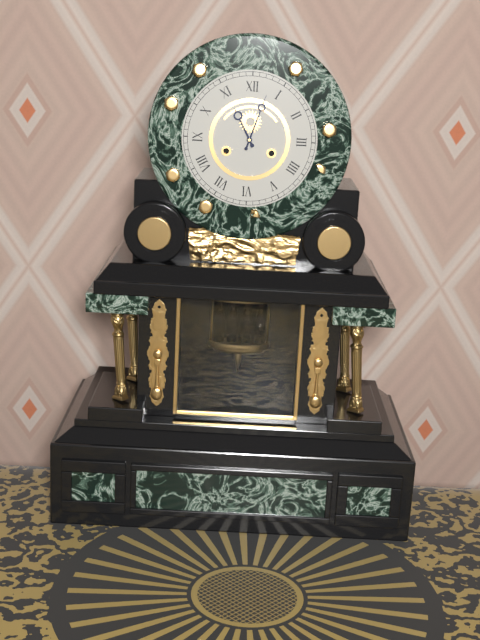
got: h=11 m=3
